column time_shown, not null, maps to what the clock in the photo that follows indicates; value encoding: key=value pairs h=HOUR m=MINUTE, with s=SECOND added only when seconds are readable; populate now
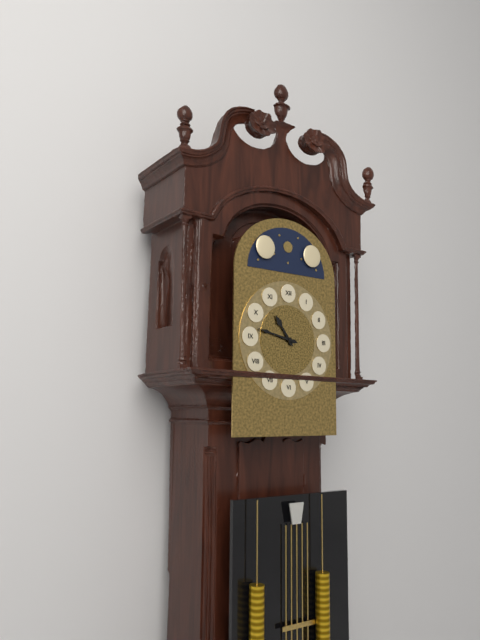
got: h=10 m=47
